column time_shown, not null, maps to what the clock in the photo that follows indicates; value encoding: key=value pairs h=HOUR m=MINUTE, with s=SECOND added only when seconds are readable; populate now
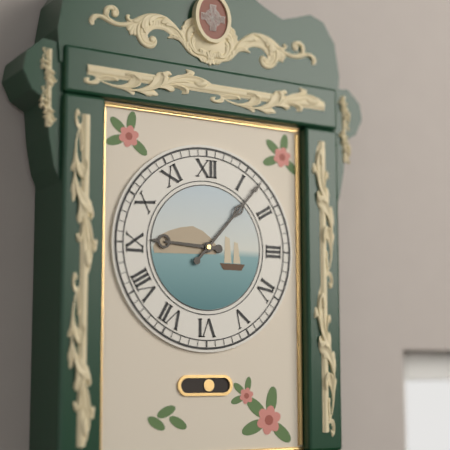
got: h=9 m=7
